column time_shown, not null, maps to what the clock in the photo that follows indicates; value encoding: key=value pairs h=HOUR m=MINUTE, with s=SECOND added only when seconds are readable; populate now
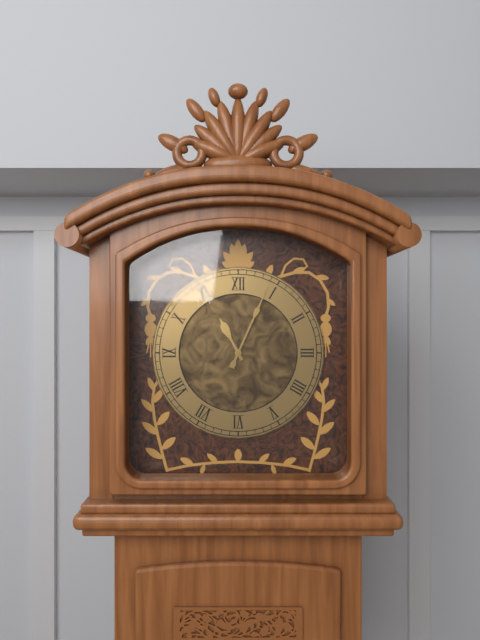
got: h=11 m=4
